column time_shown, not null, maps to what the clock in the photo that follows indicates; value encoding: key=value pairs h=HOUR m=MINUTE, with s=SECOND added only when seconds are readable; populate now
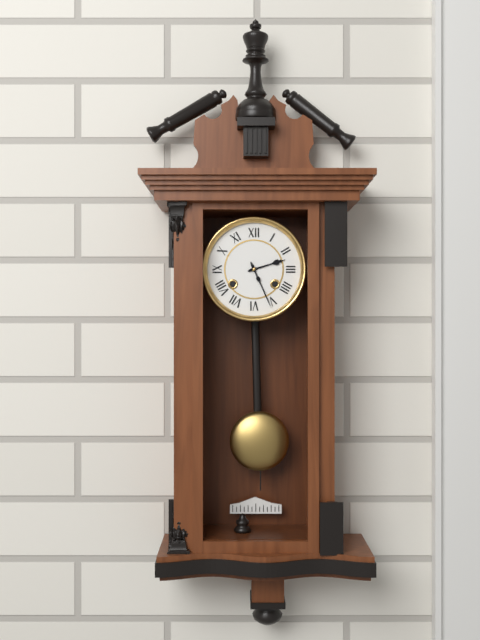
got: h=2 m=26
